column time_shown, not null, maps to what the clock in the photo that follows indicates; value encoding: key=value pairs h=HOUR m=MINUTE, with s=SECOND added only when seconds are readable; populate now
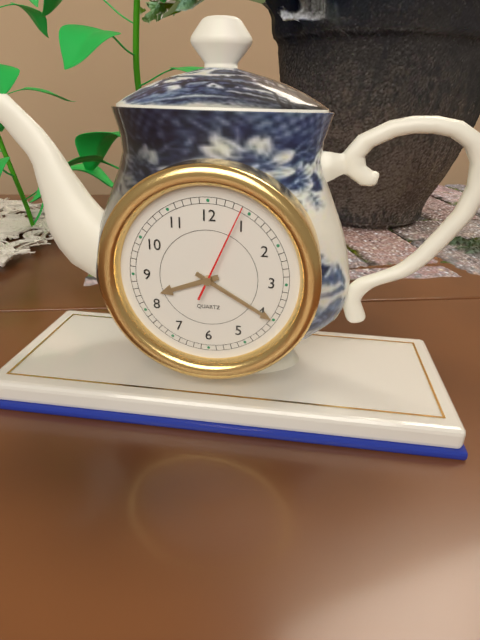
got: h=8 m=20 s=4
